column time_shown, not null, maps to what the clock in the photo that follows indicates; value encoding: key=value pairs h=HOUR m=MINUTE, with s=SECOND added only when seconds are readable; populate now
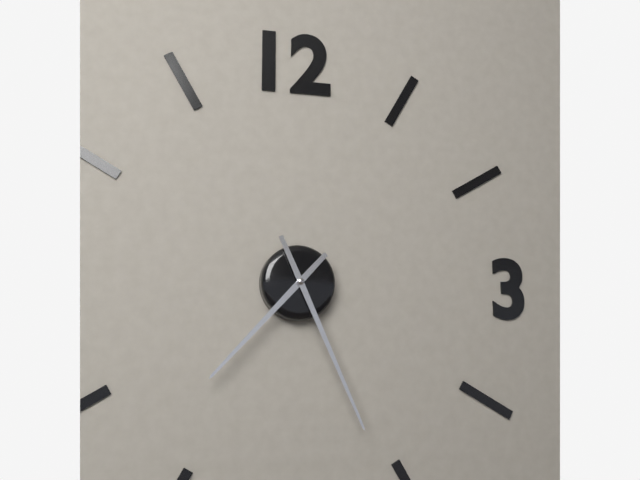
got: h=7 m=26
